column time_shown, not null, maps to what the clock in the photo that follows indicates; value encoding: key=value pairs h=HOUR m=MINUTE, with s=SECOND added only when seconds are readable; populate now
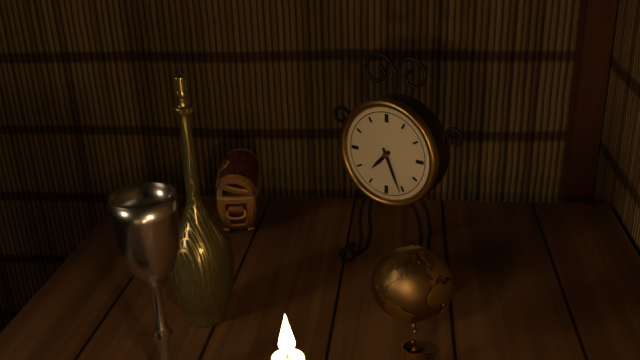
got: h=7 m=26
